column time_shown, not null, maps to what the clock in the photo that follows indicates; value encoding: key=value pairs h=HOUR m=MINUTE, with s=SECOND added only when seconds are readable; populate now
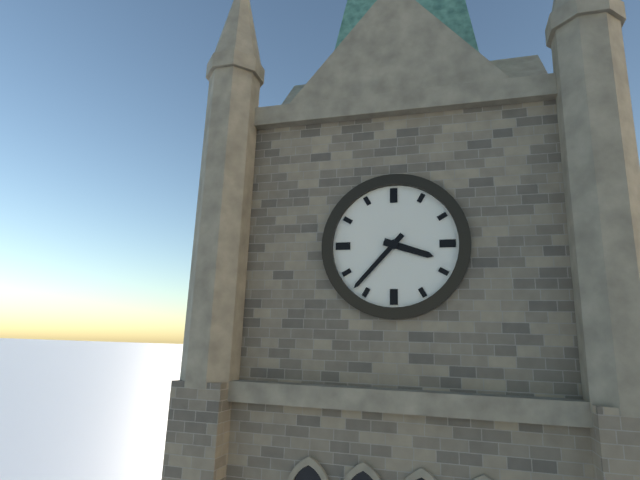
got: h=3 m=37
